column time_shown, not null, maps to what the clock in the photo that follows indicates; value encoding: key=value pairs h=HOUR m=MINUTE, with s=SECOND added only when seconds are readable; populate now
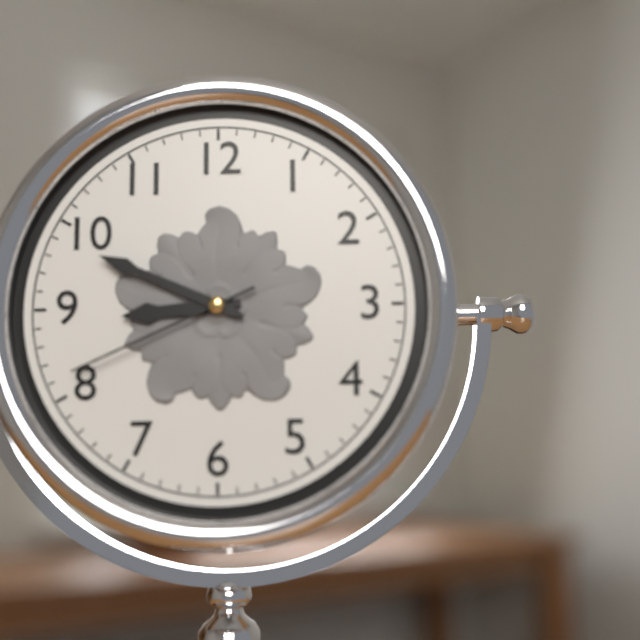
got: h=8 m=49 s=41
